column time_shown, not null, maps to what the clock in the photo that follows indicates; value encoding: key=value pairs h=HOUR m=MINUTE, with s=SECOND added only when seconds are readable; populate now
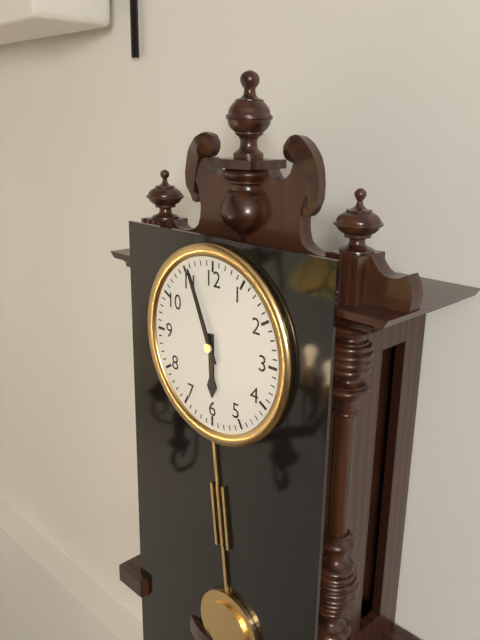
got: h=5 m=56
